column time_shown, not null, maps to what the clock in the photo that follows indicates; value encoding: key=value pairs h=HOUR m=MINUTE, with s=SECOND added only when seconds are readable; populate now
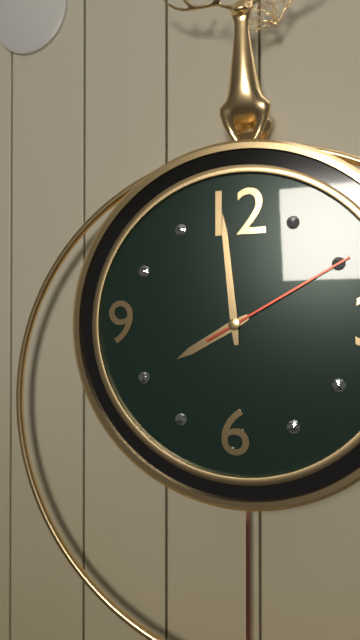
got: h=7 m=59 s=10
